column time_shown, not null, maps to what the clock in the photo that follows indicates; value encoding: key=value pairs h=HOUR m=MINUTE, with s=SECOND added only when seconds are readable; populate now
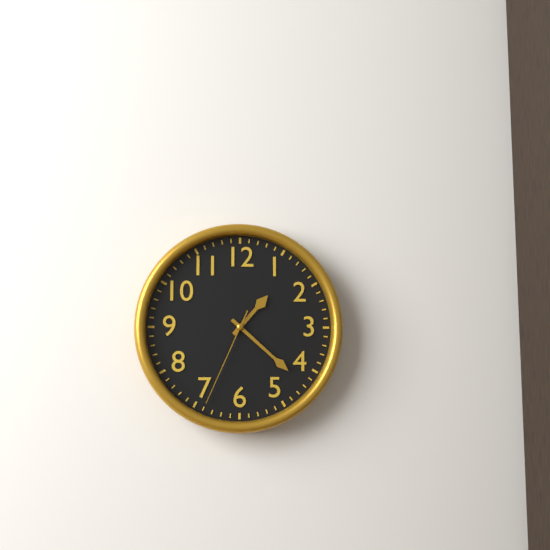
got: h=1 m=22 s=34
